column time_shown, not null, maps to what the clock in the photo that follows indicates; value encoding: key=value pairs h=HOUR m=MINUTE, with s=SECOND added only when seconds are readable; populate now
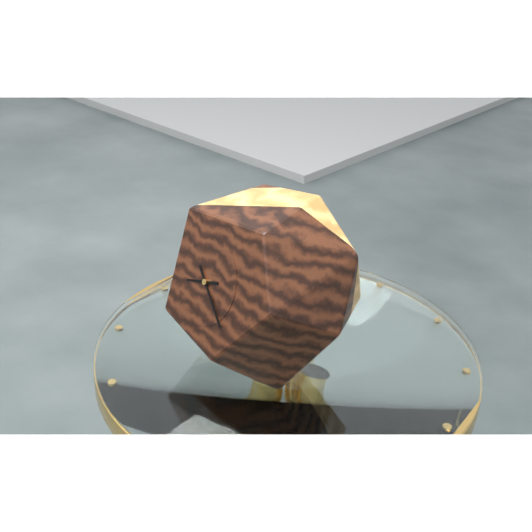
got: h=8 m=21
